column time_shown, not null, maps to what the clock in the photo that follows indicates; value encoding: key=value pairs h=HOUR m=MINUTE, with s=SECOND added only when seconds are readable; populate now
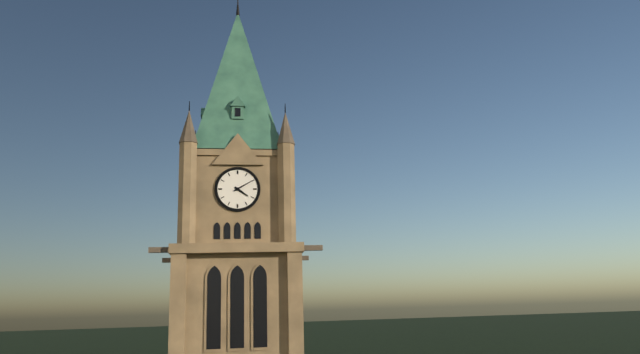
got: h=4 m=10
